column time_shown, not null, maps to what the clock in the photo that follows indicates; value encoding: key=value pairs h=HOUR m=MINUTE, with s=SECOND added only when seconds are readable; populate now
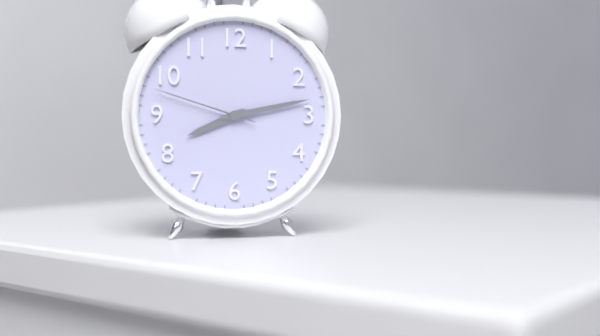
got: h=8 m=13 s=48
